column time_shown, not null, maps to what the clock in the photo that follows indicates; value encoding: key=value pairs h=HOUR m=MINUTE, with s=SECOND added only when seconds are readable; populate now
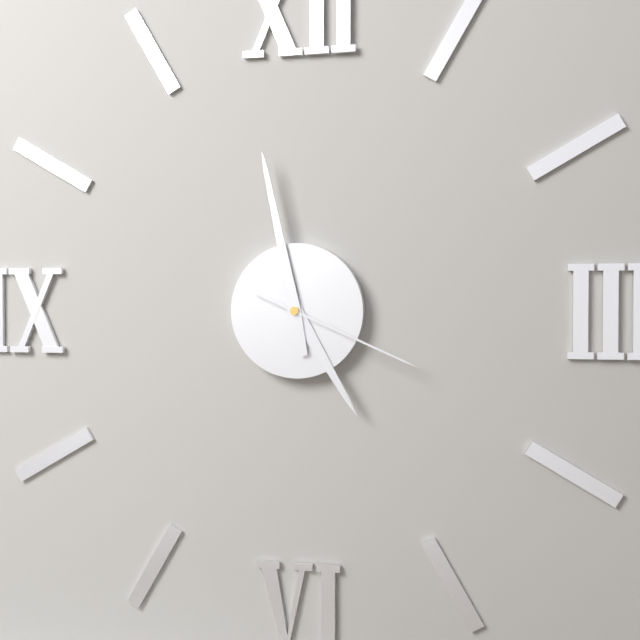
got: h=4 m=58 s=19
